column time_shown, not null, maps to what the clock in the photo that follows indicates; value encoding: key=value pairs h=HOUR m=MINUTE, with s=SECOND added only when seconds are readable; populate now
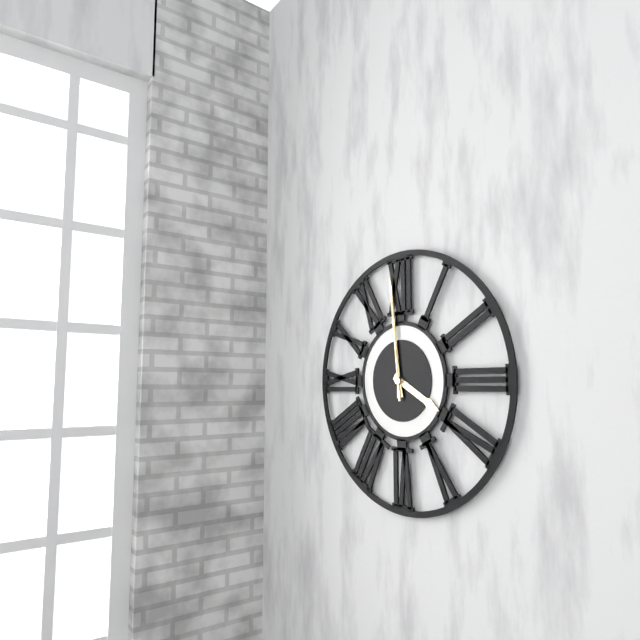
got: h=3 m=59 s=59
